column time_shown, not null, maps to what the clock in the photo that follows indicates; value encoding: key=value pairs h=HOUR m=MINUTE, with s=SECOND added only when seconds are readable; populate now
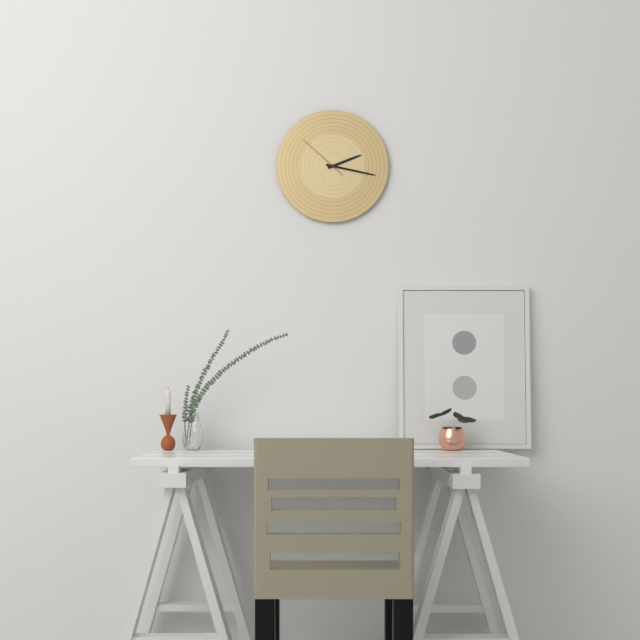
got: h=2 m=17 s=52
